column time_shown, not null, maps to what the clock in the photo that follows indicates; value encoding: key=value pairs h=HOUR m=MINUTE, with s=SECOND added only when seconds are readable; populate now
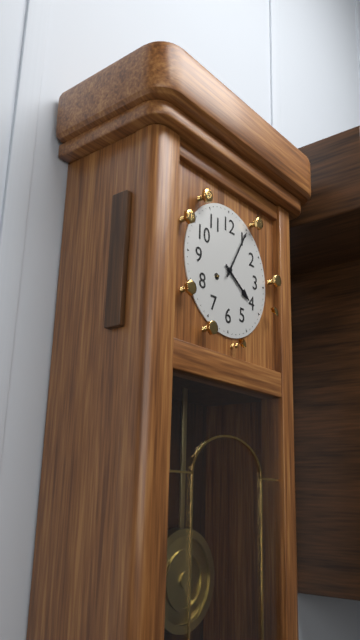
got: h=4 m=5
